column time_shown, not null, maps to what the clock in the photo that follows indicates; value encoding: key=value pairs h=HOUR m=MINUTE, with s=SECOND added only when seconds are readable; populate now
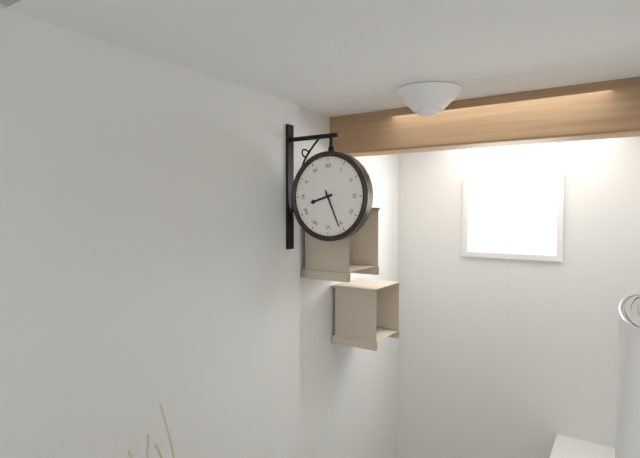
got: h=8 m=26
